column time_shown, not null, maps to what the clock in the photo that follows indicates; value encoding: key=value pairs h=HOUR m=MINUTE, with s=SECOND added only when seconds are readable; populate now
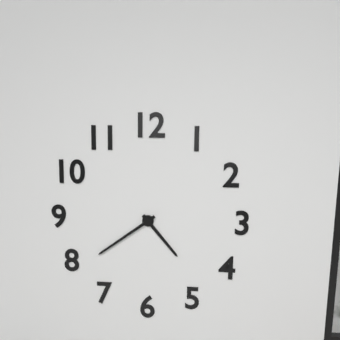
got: h=4 m=39
